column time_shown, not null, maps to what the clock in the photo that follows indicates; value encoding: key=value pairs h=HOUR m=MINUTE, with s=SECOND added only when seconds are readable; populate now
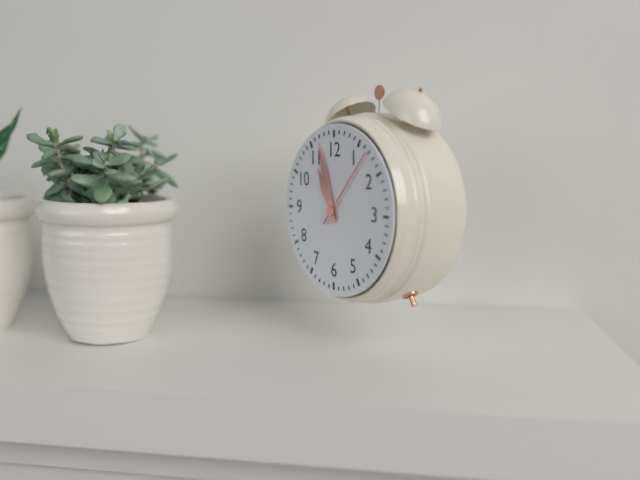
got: h=10 m=57 s=7
